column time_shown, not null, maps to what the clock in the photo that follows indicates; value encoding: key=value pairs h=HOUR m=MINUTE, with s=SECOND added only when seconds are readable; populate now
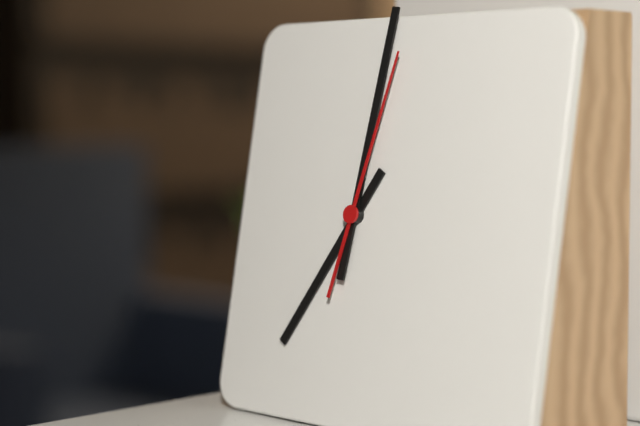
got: h=7 m=1 s=2
